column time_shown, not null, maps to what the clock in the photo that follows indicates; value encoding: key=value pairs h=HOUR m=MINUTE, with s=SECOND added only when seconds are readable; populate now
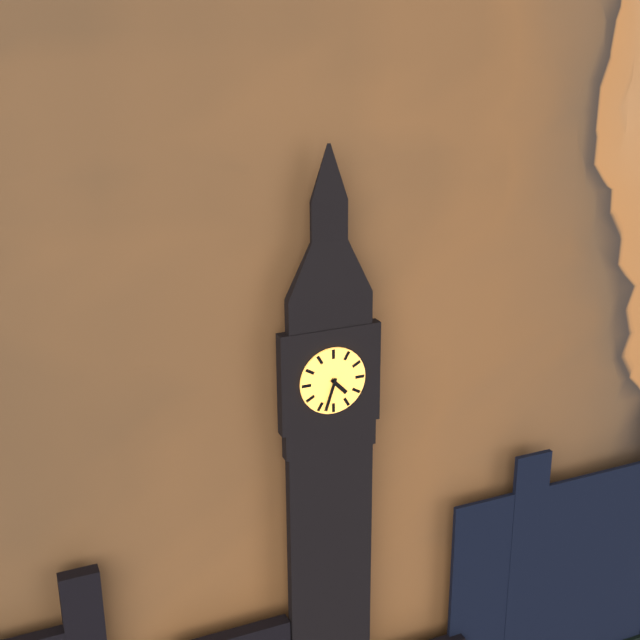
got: h=4 m=33
